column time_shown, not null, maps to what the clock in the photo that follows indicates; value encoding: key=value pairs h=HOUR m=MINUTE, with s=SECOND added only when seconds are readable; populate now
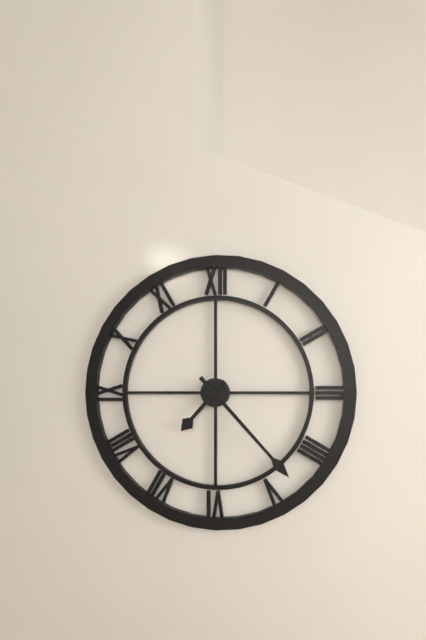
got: h=7 m=23
